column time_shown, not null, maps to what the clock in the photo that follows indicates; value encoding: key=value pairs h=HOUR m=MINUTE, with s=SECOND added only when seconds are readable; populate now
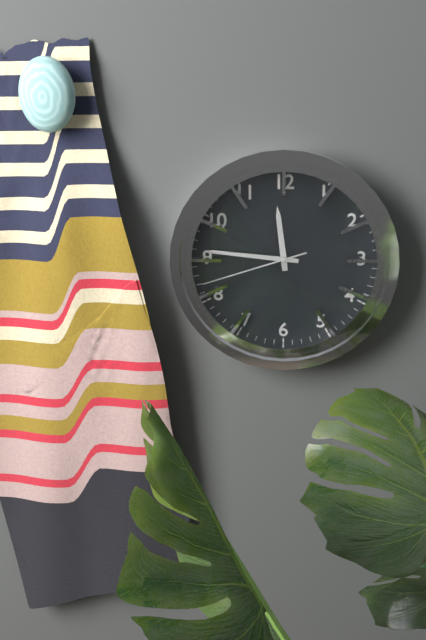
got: h=11 m=46 s=42
